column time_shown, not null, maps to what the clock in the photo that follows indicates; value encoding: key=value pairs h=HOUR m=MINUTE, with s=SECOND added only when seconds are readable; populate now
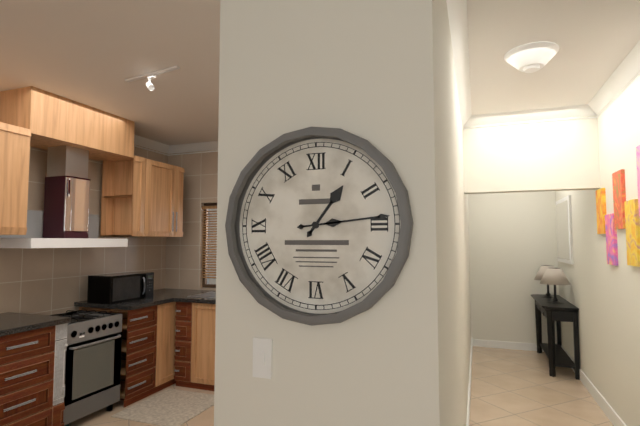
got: h=1 m=14
